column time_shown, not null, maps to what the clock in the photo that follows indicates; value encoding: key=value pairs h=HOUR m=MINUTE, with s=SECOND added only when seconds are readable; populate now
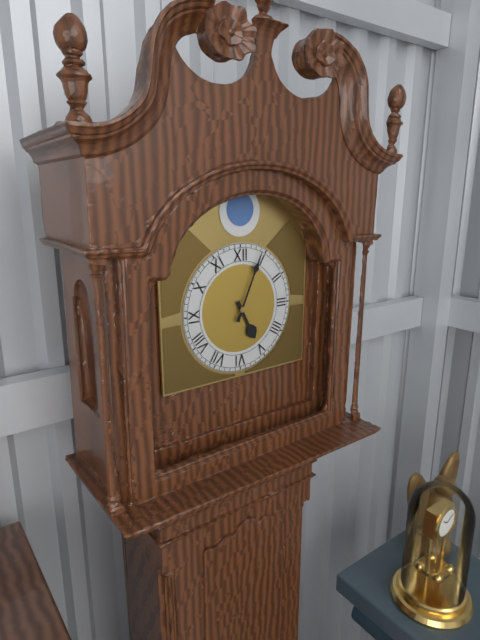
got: h=5 m=4
